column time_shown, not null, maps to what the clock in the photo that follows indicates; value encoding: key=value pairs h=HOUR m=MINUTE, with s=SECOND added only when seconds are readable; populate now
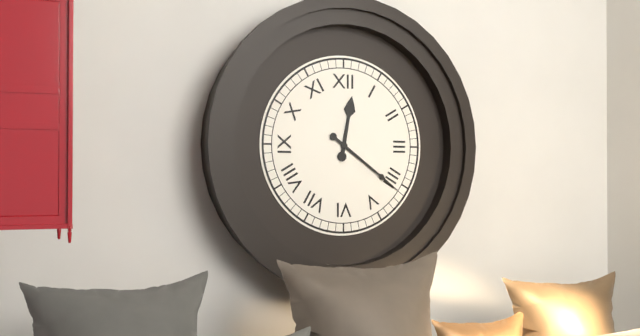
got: h=12 m=21
